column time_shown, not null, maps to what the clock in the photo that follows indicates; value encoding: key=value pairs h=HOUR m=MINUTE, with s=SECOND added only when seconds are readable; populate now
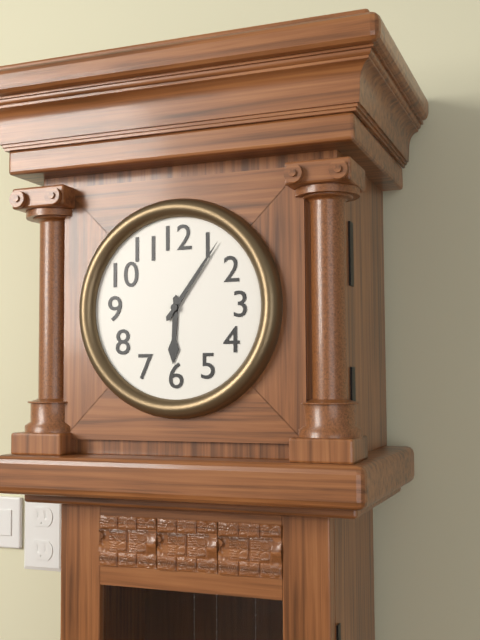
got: h=6 m=6
